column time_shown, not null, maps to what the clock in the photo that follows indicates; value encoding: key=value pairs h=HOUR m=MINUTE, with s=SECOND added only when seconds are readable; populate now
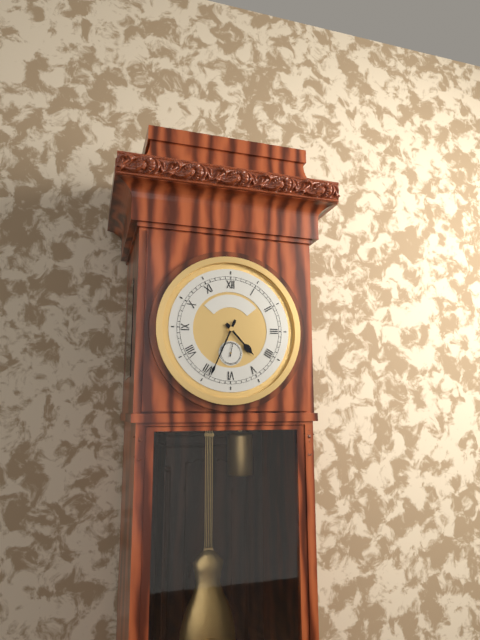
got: h=4 m=34
